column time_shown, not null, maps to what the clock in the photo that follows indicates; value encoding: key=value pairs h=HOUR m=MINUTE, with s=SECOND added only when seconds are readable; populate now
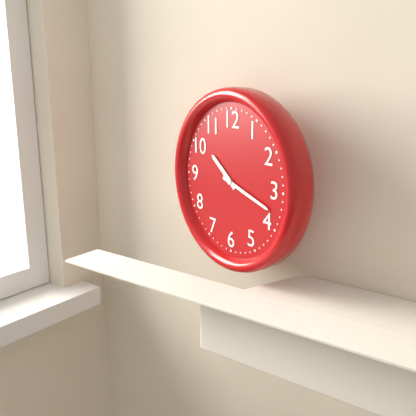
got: h=10 m=18
